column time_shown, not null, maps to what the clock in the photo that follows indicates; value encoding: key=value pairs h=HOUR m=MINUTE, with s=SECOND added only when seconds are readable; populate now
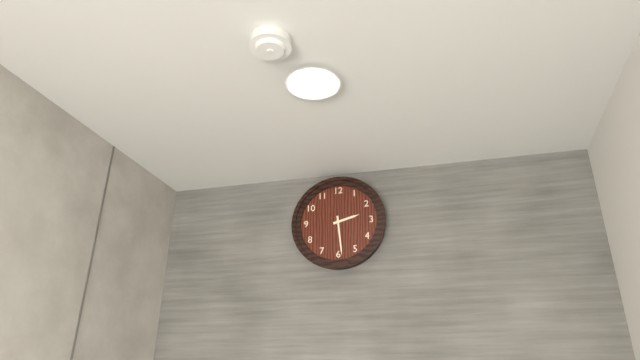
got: h=2 m=29
